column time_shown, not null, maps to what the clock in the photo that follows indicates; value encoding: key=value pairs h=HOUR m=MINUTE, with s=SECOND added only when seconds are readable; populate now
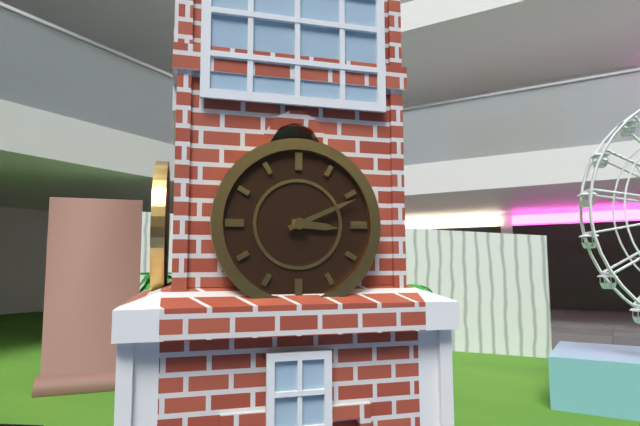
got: h=3 m=11
